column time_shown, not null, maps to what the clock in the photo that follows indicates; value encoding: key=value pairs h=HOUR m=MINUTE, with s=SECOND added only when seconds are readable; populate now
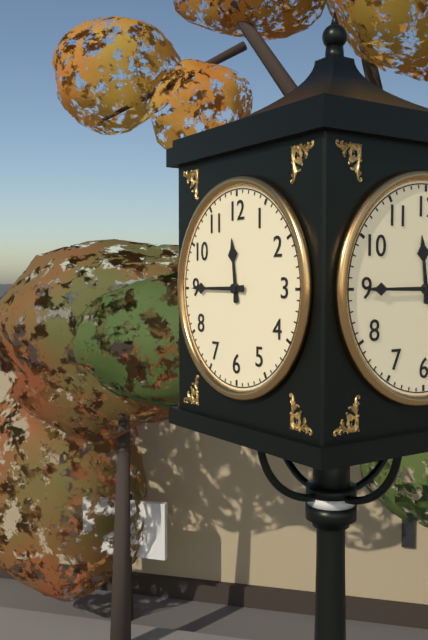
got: h=11 m=45
